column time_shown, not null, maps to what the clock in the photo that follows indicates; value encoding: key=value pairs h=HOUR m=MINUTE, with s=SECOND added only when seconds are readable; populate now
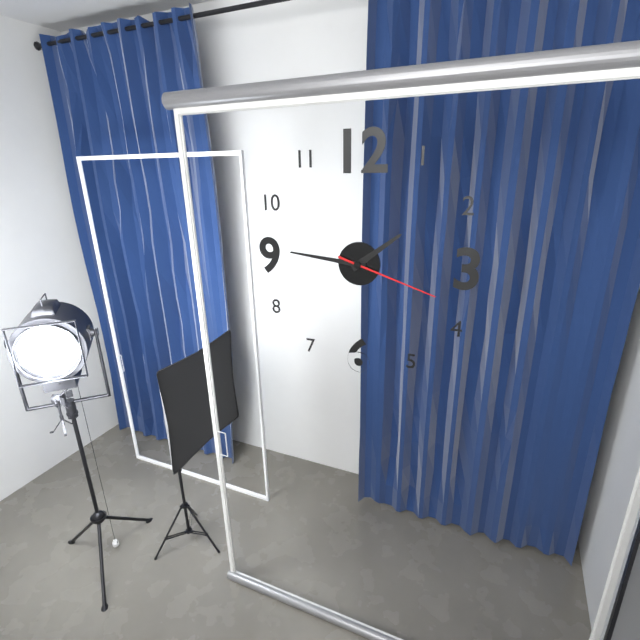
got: h=1 m=46 s=18
